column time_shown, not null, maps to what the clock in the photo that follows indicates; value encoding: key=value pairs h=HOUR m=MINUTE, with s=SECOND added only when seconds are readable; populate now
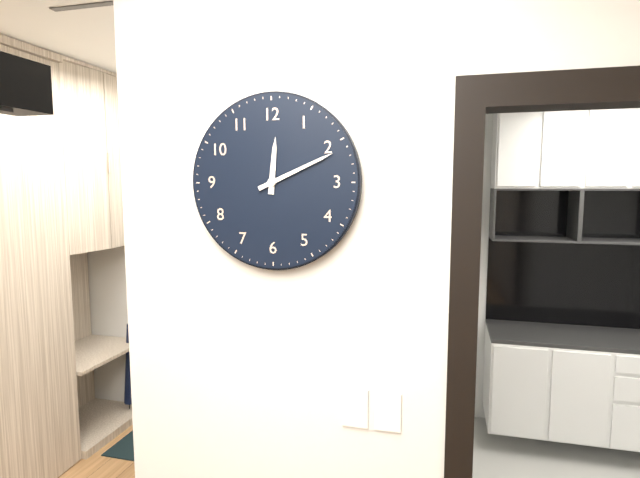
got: h=12 m=11
